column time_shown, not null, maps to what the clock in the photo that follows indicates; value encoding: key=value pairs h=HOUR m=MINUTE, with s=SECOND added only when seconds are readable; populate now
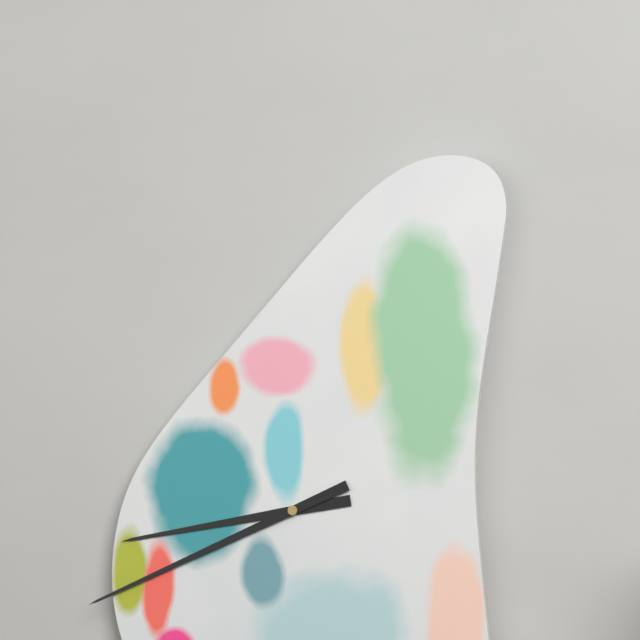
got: h=8 m=41
